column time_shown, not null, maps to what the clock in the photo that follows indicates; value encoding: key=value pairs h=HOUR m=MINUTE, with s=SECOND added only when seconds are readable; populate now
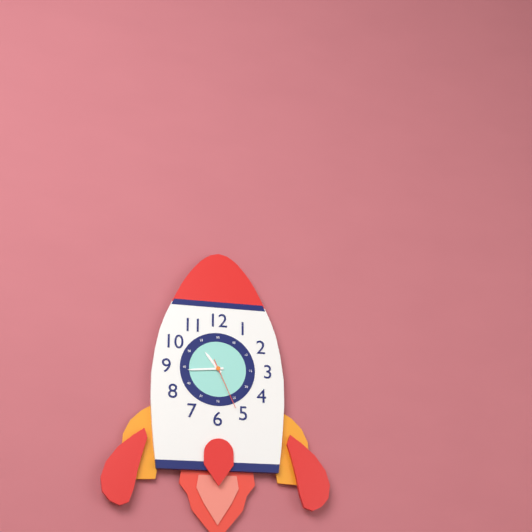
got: h=10 m=44 s=26
